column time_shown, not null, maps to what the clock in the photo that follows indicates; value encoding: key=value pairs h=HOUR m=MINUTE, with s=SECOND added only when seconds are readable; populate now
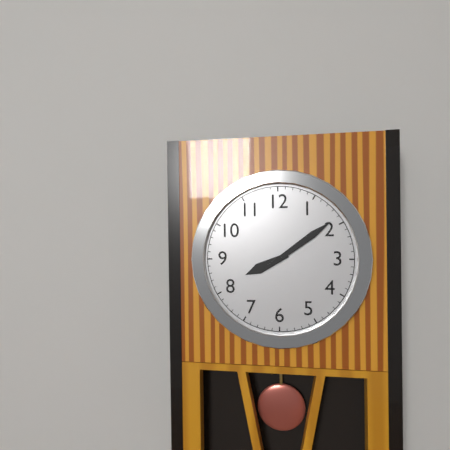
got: h=8 m=9
